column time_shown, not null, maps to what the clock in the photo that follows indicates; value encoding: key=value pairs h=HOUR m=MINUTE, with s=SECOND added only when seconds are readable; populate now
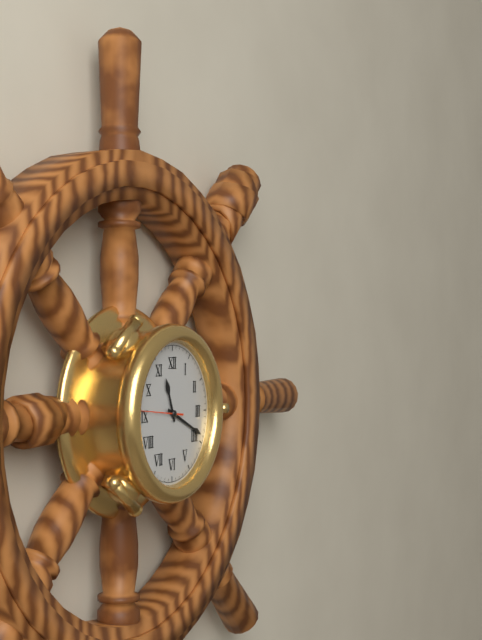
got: h=11 m=19
